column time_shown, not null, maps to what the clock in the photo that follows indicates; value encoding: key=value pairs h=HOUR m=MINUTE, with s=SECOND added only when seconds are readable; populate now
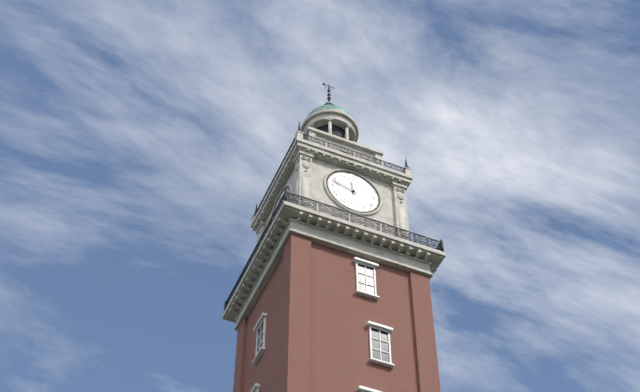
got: h=11 m=48
